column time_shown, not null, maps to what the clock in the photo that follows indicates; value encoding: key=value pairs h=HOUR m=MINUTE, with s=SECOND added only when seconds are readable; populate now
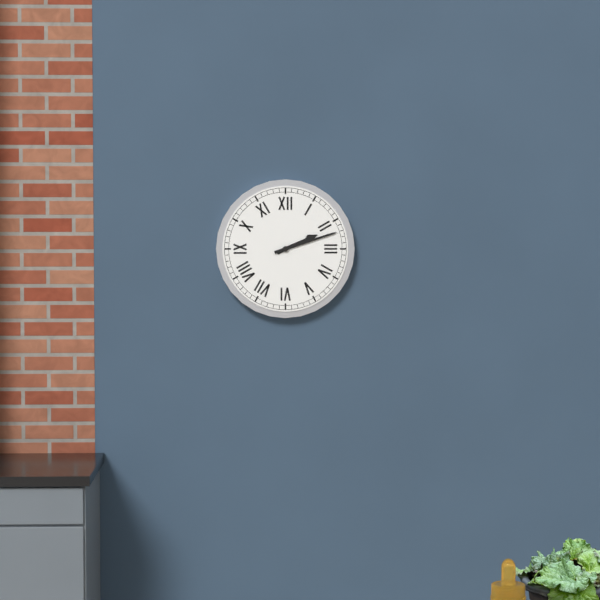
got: h=2 m=12
